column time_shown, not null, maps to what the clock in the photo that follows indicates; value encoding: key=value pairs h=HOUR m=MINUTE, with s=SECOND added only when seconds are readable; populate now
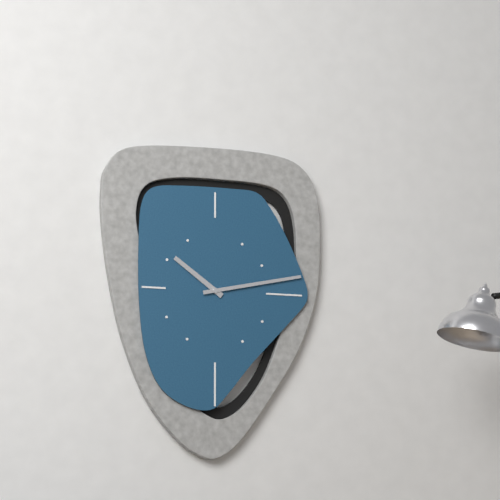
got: h=10 m=13
